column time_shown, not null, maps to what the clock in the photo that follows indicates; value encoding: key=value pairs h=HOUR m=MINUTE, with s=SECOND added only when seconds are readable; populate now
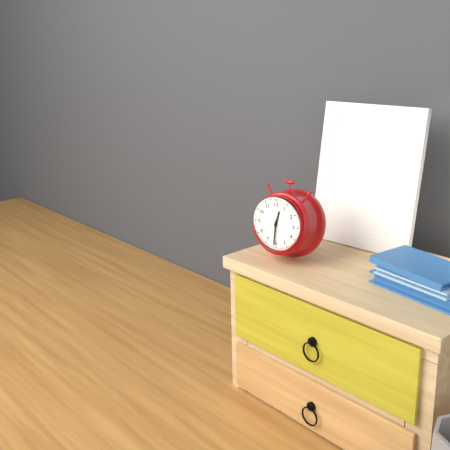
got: h=12 m=31
